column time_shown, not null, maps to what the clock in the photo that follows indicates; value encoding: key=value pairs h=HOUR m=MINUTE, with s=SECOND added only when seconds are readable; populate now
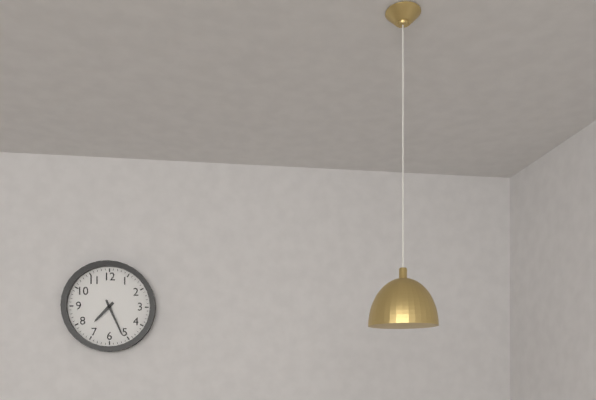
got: h=7 m=26
